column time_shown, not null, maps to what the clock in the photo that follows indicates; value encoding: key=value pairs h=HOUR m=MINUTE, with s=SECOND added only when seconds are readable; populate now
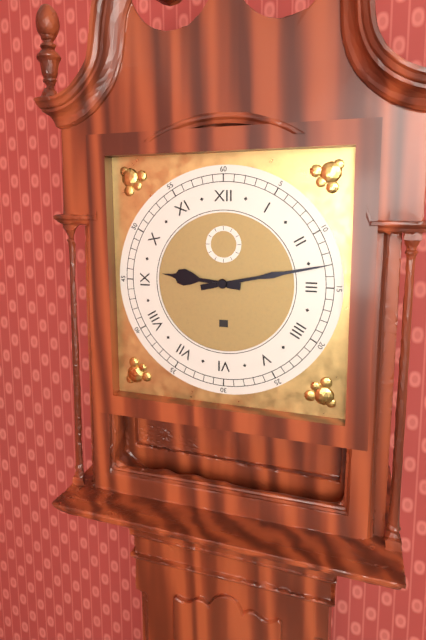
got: h=9 m=13
